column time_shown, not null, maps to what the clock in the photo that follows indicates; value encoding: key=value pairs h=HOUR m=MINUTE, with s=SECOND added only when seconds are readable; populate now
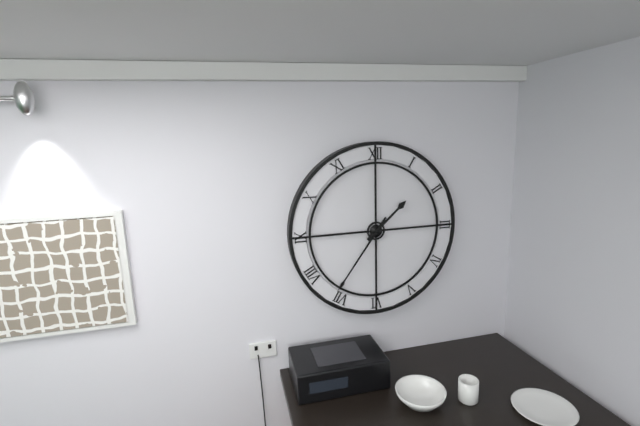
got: h=1 m=36
